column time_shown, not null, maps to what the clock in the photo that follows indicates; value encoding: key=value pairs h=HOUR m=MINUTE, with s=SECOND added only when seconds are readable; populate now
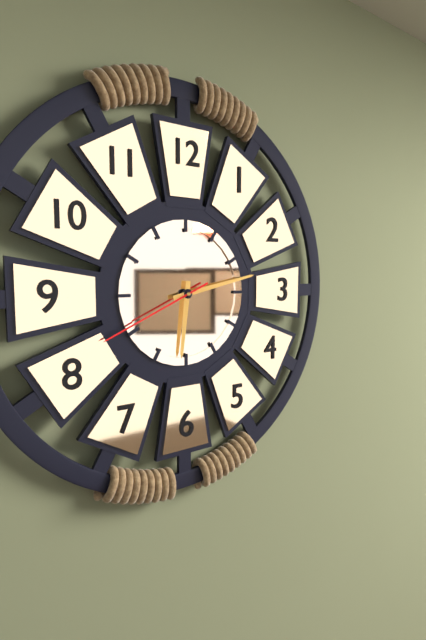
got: h=6 m=13 s=41
